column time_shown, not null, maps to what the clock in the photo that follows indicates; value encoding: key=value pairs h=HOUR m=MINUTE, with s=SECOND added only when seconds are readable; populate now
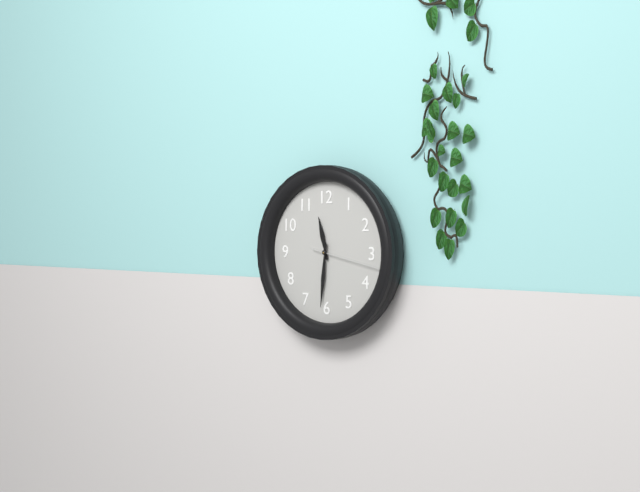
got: h=11 m=31 s=17
